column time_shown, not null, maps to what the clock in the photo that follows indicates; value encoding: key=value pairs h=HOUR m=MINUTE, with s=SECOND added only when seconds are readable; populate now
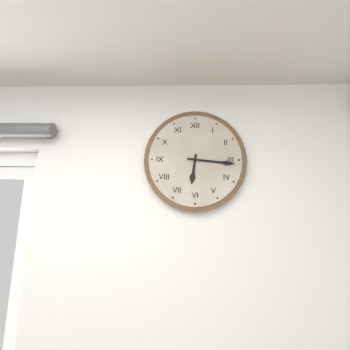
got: h=6 m=16
